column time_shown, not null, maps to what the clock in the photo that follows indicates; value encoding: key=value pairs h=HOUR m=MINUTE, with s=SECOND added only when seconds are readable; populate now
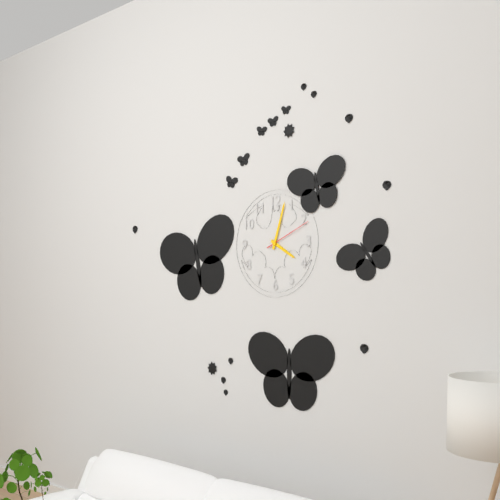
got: h=4 m=3
